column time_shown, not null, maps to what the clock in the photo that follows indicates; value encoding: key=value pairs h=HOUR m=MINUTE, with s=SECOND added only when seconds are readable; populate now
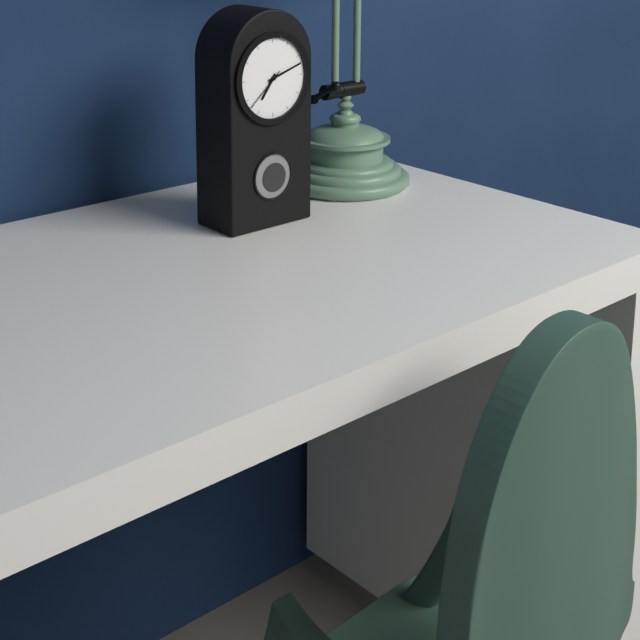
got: h=7 m=12
